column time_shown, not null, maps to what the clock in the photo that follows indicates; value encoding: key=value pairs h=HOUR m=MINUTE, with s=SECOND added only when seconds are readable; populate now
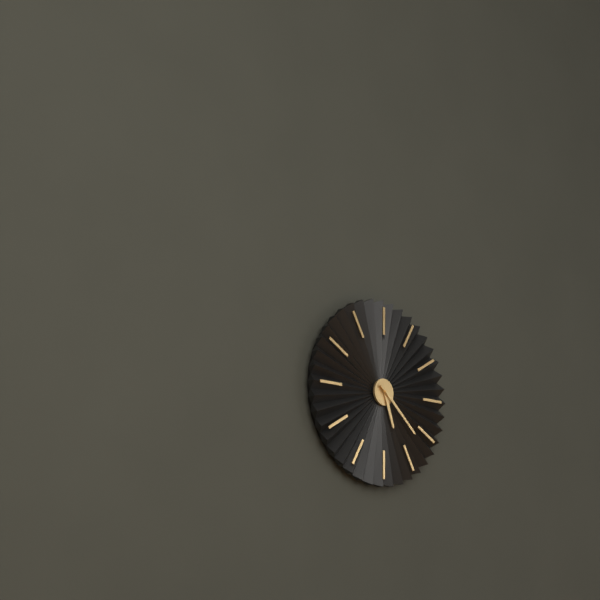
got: h=5 m=22
